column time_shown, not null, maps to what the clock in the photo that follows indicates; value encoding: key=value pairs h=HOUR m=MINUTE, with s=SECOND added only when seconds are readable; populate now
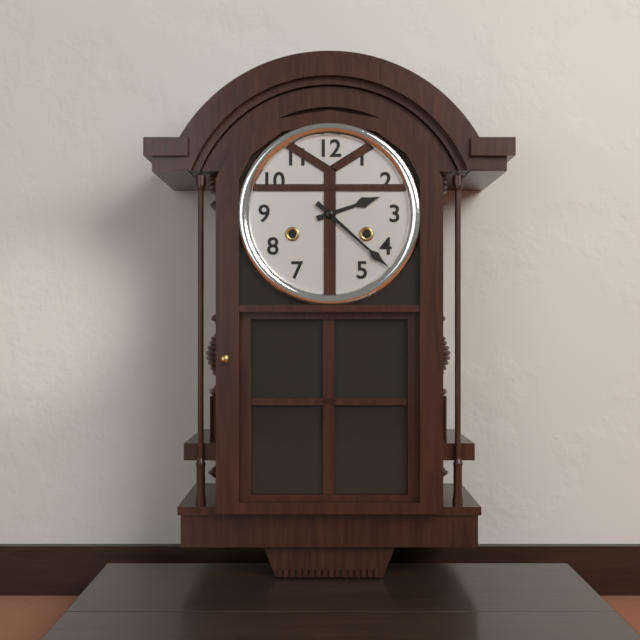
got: h=2 m=22
